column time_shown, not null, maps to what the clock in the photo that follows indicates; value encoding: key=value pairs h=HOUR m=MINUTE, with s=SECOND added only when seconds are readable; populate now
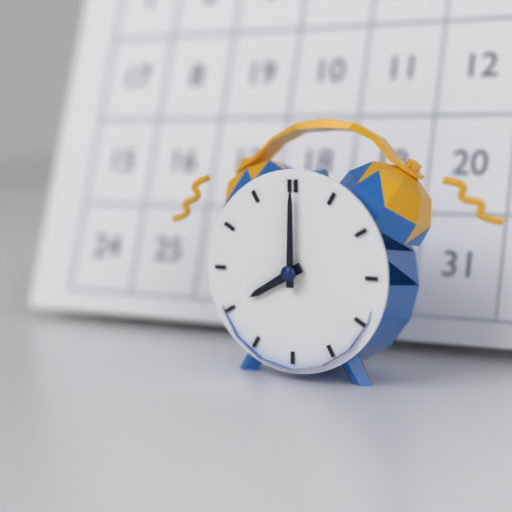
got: h=8 m=0
